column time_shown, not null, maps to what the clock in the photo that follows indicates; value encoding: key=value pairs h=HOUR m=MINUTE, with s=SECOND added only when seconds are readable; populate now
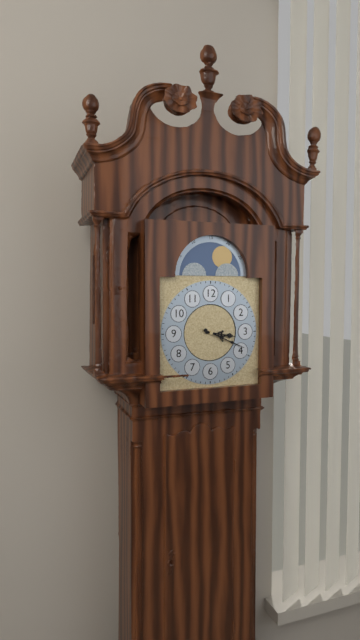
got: h=3 m=19
